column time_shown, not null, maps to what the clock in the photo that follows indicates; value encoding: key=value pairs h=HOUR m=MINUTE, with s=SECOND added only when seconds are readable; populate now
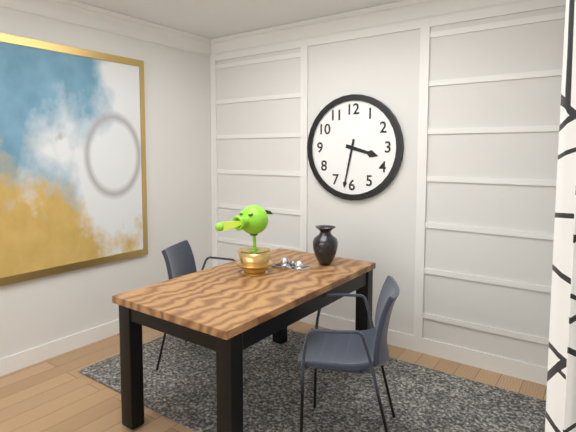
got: h=3 m=32
